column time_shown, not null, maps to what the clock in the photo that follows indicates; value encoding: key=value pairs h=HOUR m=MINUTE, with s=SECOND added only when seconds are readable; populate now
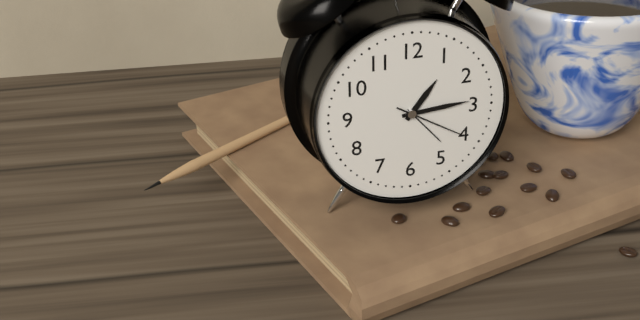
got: h=1 m=14 s=20
